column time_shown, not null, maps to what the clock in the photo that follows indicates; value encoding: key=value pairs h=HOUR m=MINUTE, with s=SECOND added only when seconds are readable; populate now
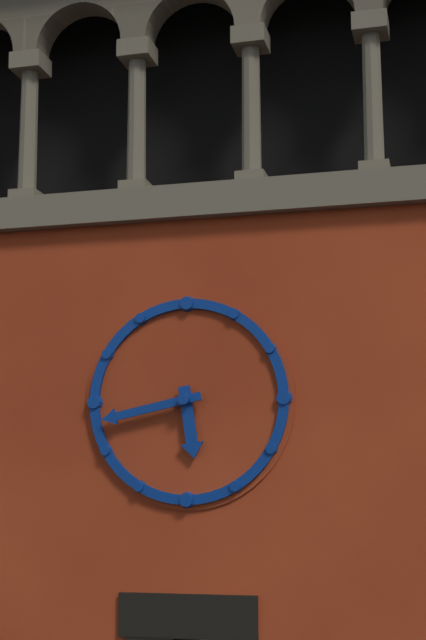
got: h=5 m=43
